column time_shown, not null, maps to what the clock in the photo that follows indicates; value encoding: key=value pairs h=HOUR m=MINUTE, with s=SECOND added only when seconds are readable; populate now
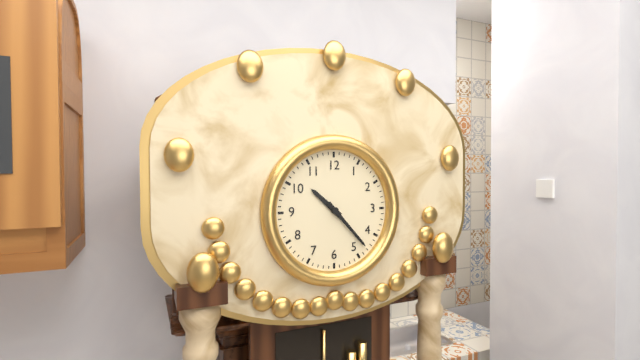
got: h=10 m=23
